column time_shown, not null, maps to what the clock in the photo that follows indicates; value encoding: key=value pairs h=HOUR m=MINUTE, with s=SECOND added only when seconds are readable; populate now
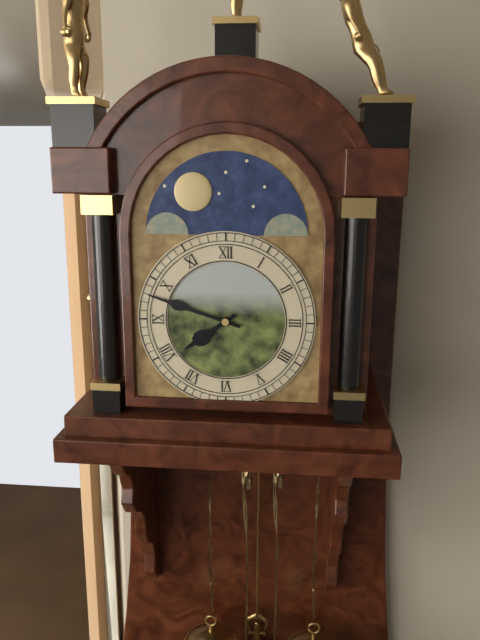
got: h=7 m=48
